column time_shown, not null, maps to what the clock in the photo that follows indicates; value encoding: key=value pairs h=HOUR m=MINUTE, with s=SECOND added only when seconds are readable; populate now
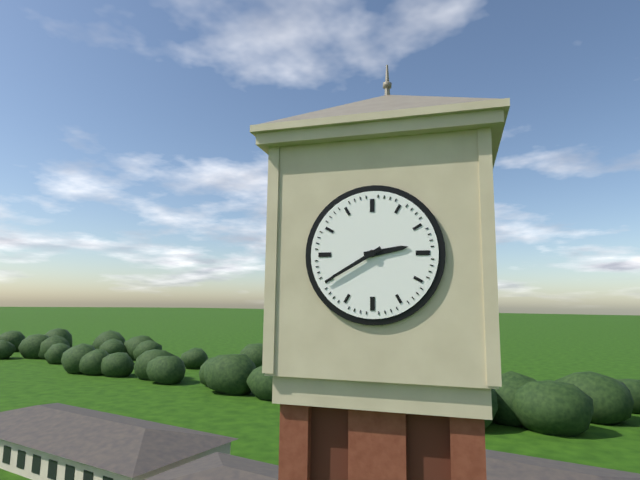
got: h=2 m=40
